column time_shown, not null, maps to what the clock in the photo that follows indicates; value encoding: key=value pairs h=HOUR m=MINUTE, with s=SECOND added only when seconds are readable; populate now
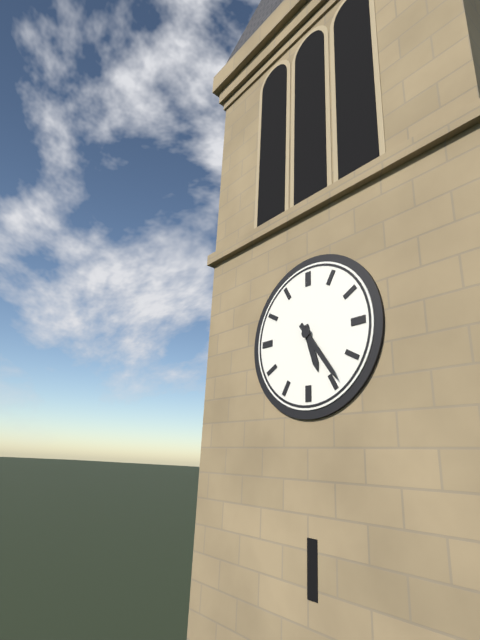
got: h=5 m=24
